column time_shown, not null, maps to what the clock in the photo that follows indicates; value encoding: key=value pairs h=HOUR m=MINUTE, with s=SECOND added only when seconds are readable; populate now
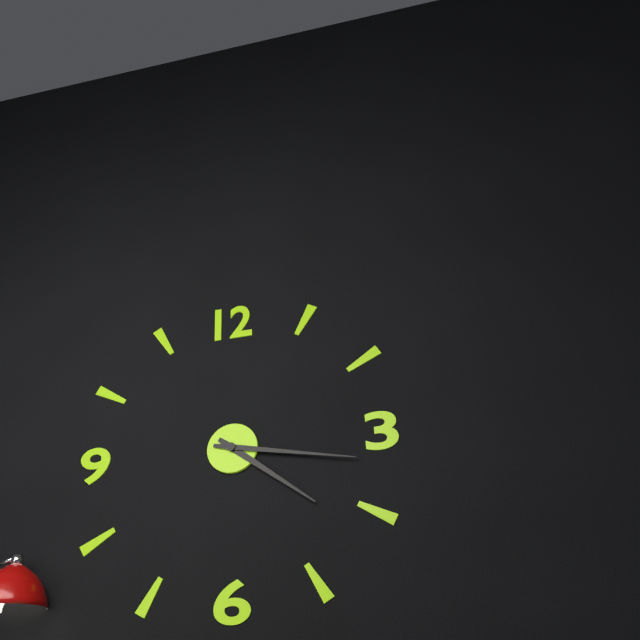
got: h=4 m=17
